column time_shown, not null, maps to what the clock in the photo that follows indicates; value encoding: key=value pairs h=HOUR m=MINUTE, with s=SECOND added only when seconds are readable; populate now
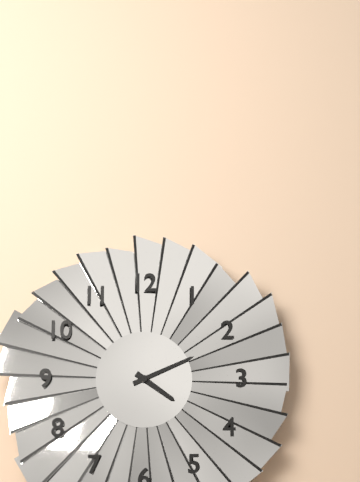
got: h=4 m=11
